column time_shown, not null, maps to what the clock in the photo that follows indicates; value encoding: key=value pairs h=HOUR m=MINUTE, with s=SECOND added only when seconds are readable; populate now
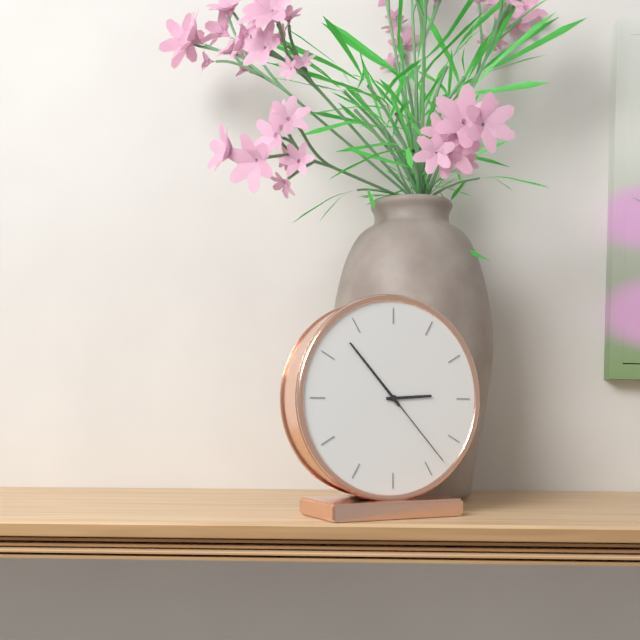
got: h=2 m=53 s=23
